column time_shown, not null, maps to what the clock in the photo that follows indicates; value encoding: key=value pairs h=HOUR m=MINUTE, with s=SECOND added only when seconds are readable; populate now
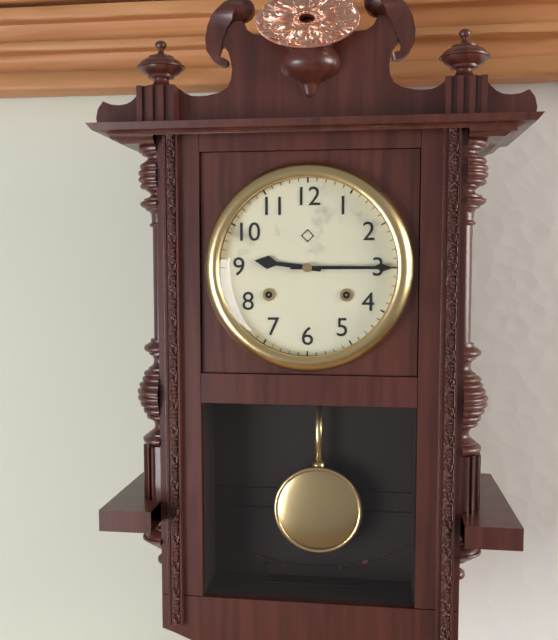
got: h=9 m=15
